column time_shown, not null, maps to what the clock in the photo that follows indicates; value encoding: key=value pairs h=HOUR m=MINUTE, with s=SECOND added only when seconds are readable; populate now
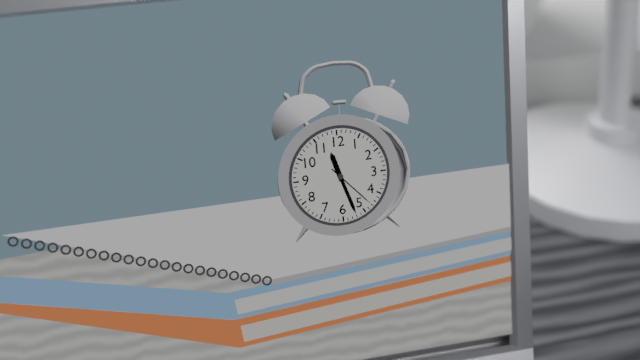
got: h=11 m=27 s=23
